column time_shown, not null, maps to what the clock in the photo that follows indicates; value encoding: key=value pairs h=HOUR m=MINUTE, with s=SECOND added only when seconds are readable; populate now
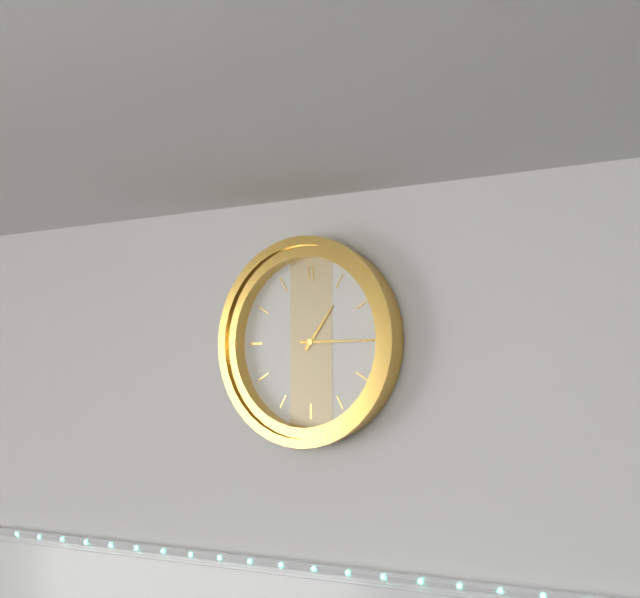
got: h=1 m=15
